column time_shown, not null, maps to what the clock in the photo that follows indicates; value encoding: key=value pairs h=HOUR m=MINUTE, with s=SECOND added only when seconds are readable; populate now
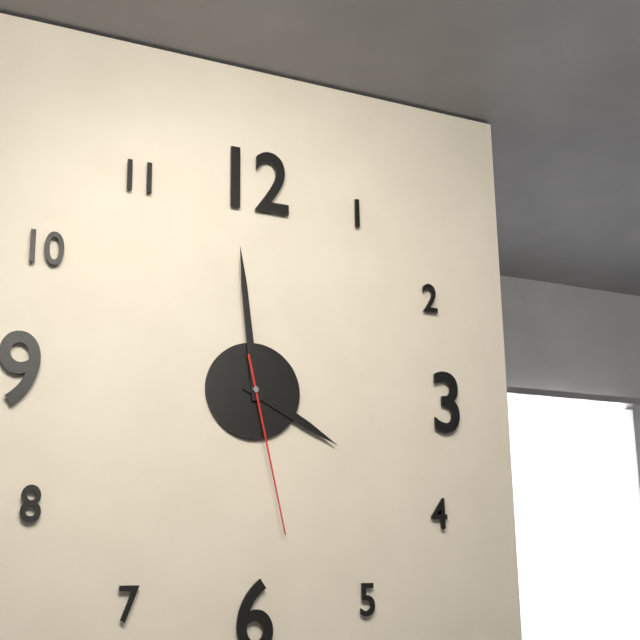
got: h=3 m=59 s=28
